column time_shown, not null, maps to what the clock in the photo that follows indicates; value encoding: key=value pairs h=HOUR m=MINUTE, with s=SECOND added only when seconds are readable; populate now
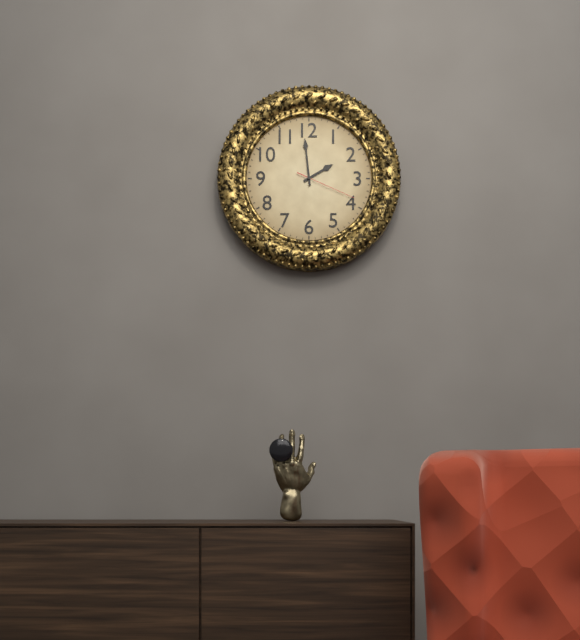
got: h=1 m=59 s=19
